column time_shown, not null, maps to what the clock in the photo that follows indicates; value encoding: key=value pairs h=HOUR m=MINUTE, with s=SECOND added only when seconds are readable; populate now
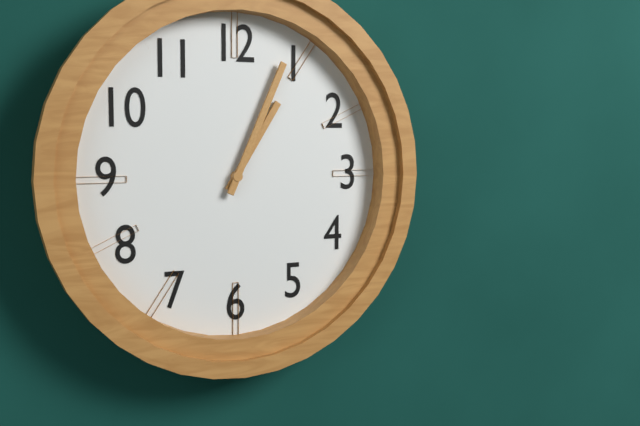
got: h=1 m=4
